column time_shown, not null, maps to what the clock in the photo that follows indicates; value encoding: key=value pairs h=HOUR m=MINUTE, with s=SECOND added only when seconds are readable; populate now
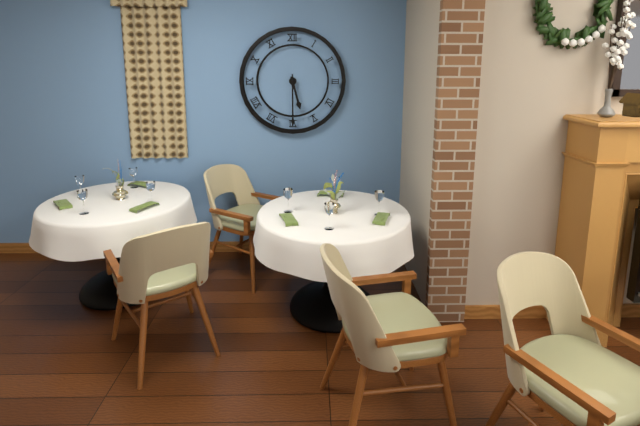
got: h=5 m=30
